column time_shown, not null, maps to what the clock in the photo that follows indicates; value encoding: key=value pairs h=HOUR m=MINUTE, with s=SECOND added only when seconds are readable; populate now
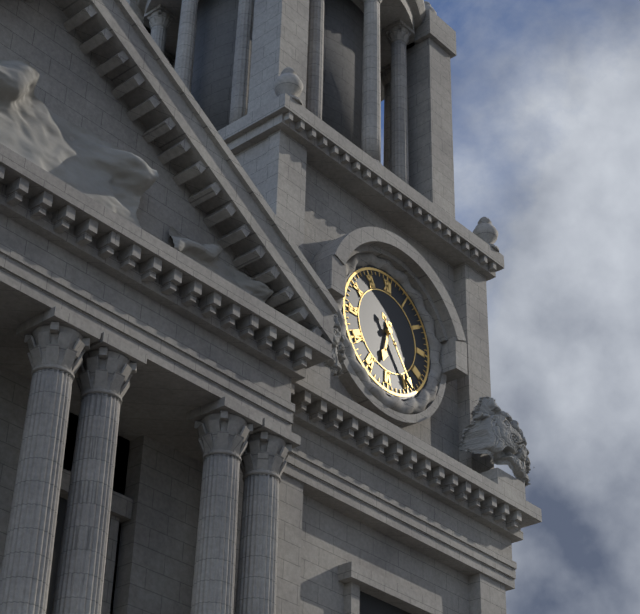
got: h=6 m=24
